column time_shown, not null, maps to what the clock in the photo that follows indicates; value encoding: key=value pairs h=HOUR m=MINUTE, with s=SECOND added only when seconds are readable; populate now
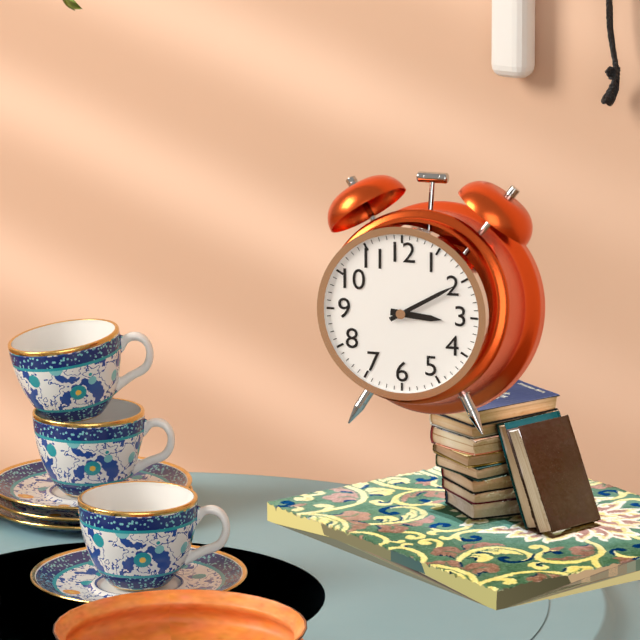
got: h=3 m=10
